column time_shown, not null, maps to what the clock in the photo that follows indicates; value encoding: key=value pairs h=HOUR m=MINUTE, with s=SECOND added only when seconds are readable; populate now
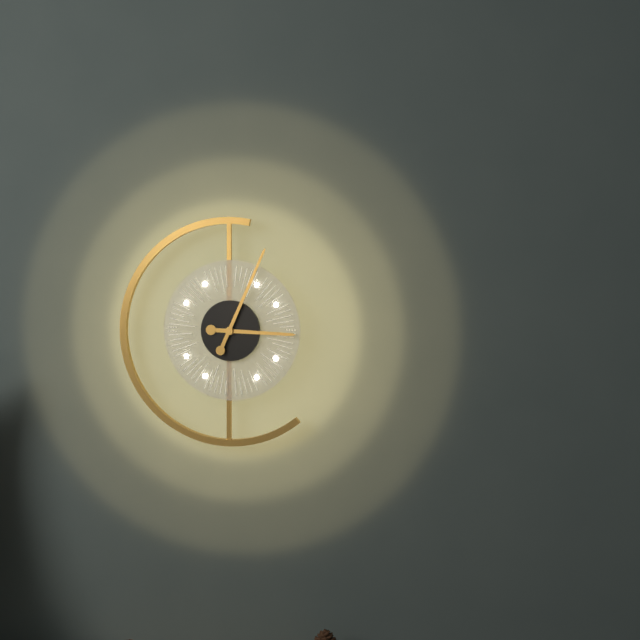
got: h=3 m=4
